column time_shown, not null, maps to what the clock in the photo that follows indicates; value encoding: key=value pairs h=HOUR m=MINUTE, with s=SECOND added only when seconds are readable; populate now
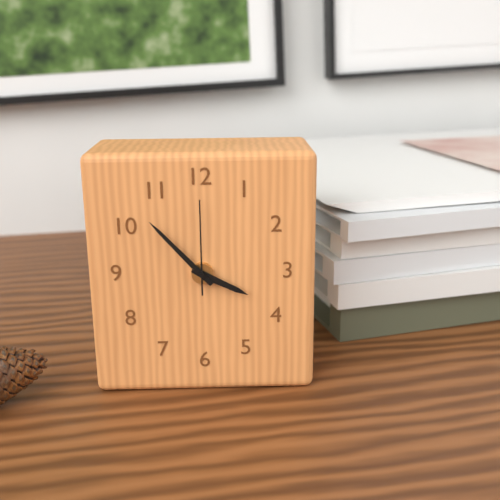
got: h=3 m=53 s=0
